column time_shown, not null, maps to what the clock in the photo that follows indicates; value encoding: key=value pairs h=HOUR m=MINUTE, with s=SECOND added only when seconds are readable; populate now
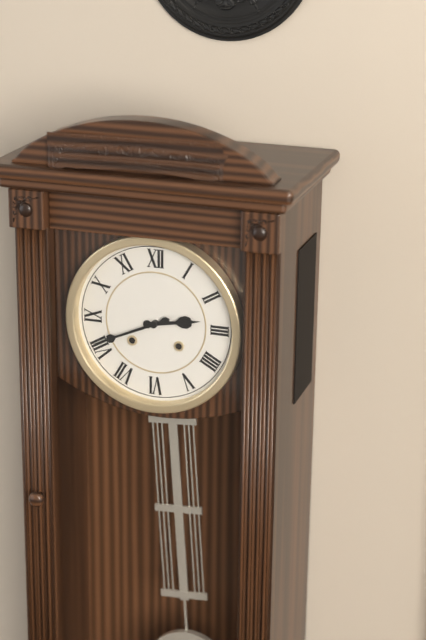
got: h=2 m=41
